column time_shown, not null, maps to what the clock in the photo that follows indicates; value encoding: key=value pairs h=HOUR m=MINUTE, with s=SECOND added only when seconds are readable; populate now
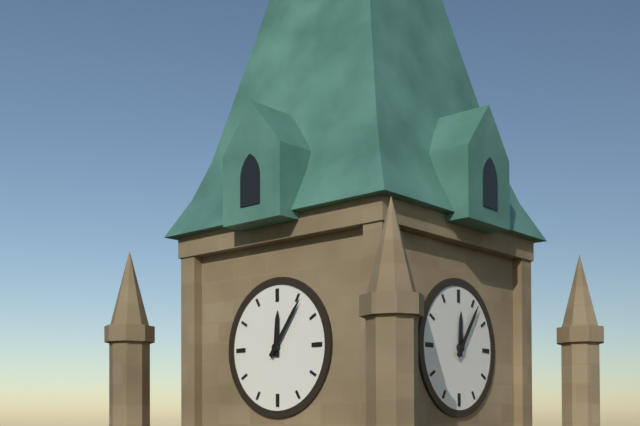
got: h=12 m=6
